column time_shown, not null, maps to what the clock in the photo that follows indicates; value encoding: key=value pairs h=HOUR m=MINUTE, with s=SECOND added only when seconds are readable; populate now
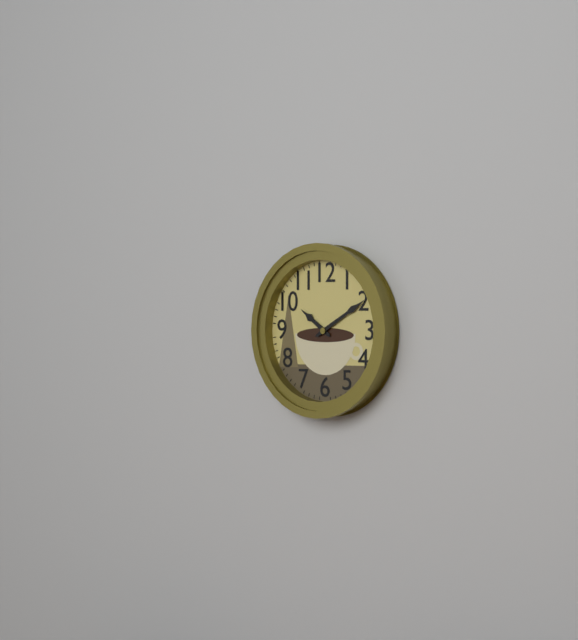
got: h=10 m=10
